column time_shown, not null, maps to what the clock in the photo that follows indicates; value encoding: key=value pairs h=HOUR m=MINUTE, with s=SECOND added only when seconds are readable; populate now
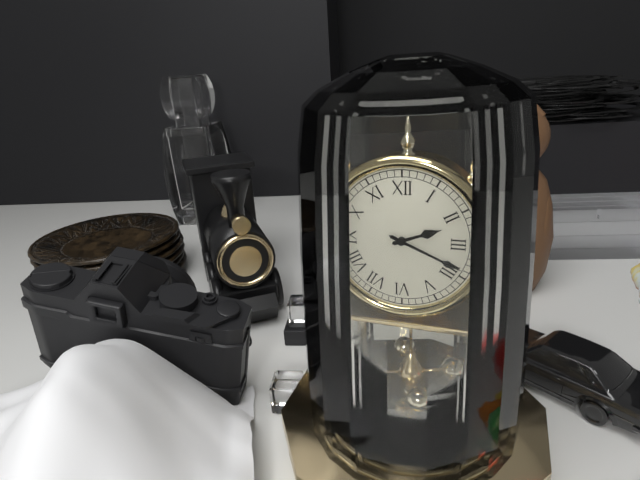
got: h=2 m=19
